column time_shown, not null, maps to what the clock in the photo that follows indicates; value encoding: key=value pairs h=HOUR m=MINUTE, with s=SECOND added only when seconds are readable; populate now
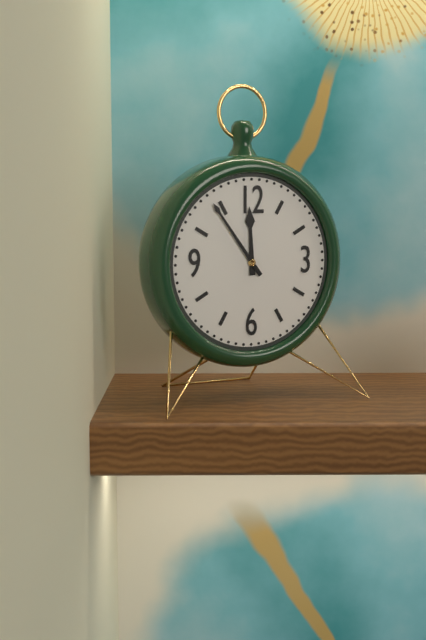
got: h=11 m=54
